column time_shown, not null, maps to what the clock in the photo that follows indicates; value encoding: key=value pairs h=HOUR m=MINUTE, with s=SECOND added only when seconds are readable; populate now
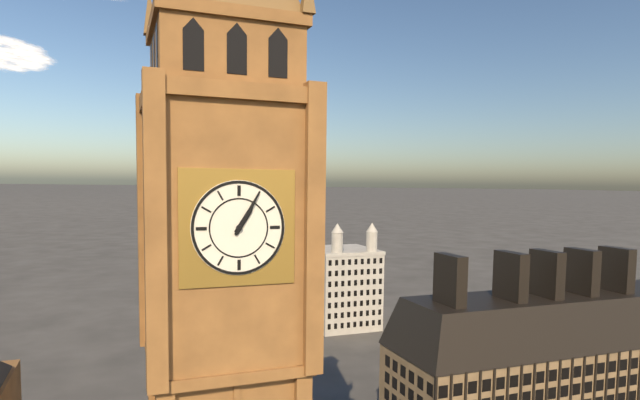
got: h=1 m=5
